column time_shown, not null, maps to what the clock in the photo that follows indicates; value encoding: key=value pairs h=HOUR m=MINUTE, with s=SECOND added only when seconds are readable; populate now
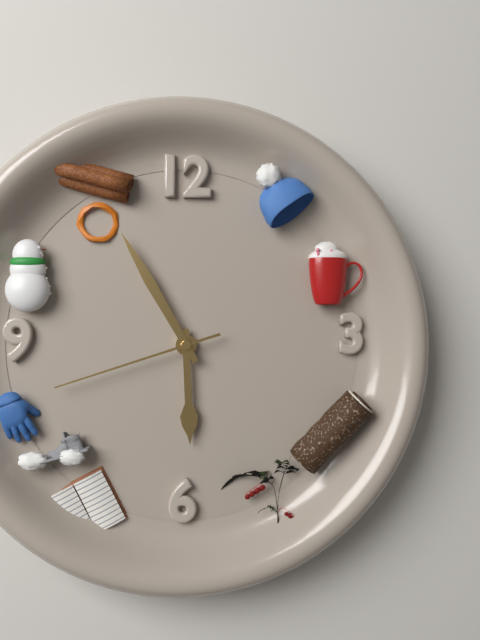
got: h=5 m=55 s=42
